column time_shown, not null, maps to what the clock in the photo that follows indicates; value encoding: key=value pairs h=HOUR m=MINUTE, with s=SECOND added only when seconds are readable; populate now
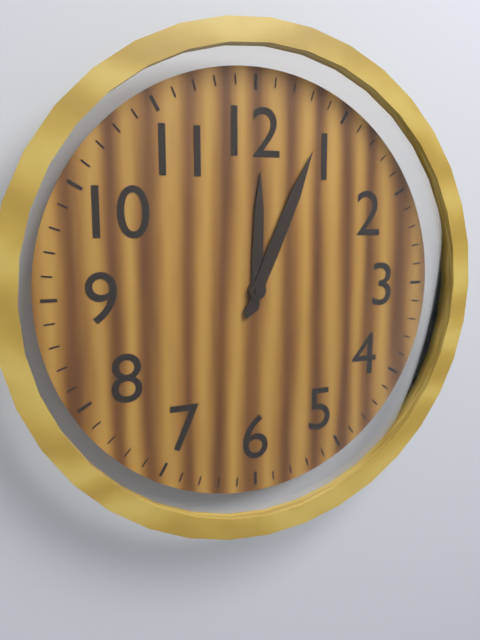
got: h=12 m=4
